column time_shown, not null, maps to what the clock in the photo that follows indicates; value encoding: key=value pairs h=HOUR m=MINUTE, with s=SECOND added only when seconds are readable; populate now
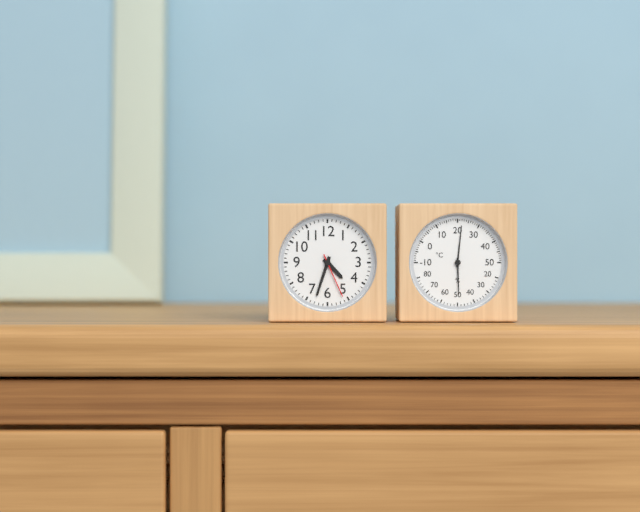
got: h=4 m=33
